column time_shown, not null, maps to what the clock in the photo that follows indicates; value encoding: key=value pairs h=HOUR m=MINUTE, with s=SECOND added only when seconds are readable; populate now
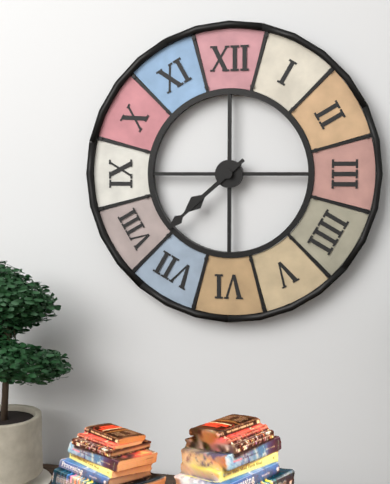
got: h=7 m=38
